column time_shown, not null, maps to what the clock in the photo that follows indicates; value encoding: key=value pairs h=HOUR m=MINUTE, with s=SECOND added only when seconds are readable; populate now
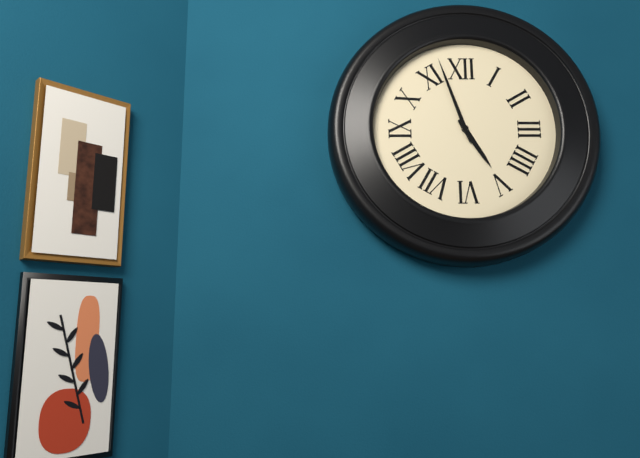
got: h=4 m=57
